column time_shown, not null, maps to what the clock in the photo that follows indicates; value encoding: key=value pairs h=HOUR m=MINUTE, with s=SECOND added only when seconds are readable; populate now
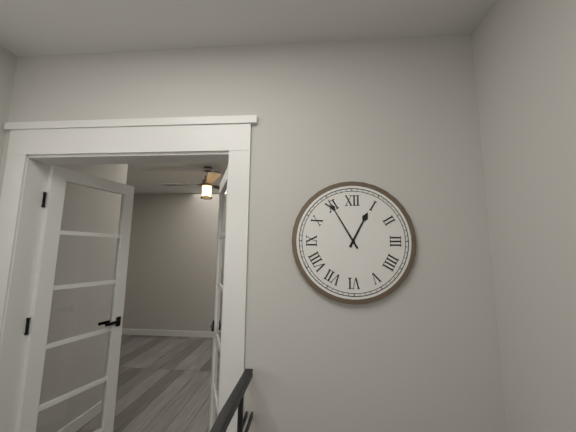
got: h=12 m=55
